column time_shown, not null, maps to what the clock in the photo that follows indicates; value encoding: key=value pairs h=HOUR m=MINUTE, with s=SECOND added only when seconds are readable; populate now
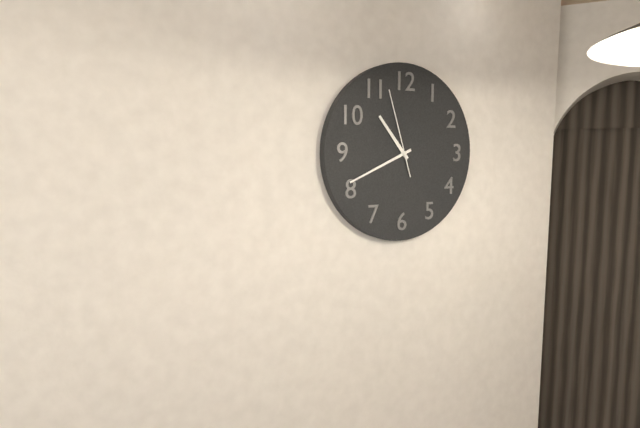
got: h=10 m=41 s=57
